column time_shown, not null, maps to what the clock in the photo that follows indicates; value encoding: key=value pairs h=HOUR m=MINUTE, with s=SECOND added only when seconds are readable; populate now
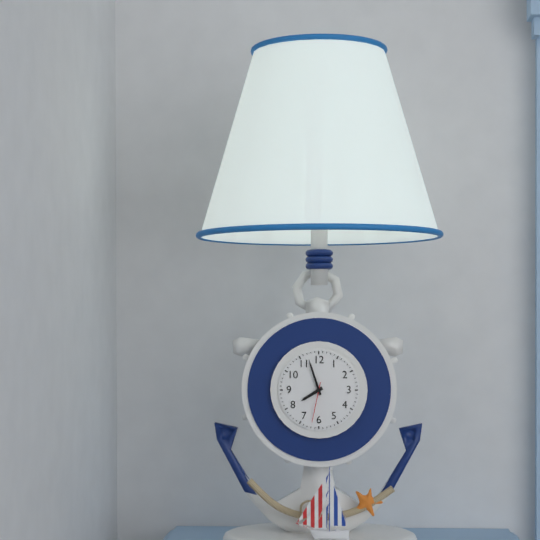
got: h=7 m=57
